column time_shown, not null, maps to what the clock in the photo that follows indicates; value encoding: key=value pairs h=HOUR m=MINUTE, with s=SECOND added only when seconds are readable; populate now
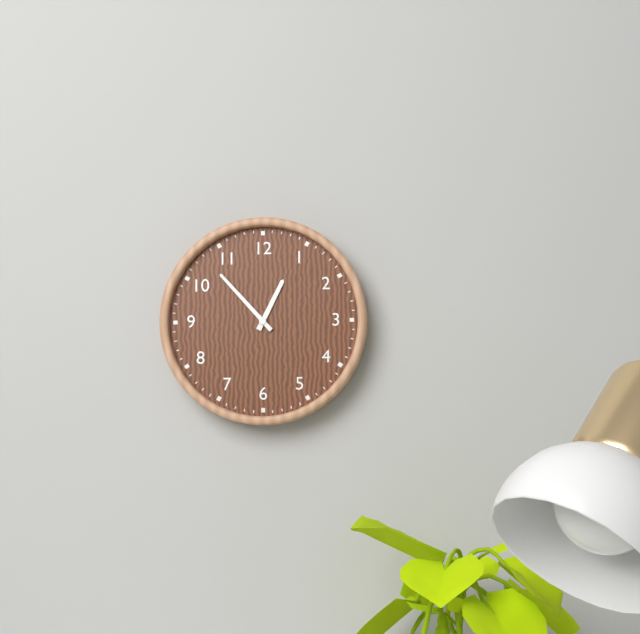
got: h=12 m=53
